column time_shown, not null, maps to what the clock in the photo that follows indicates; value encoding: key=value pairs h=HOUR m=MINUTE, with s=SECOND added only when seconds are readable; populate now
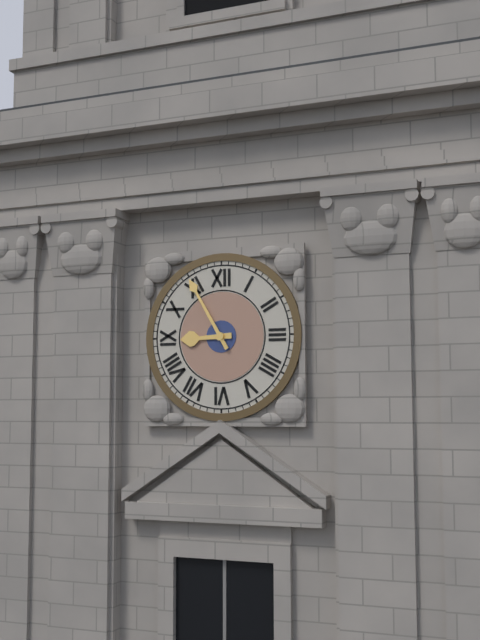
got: h=8 m=55
